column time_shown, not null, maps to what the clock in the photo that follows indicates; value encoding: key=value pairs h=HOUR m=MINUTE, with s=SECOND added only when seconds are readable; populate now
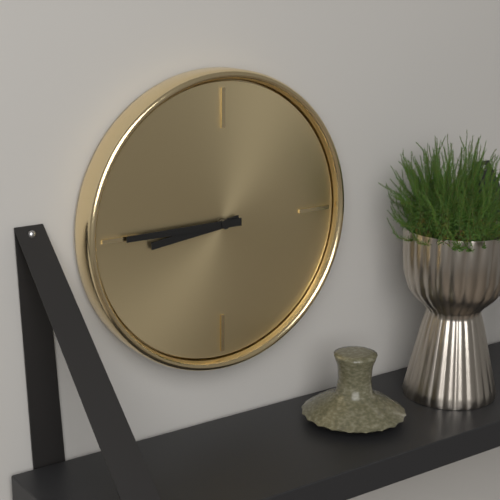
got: h=8 m=45
